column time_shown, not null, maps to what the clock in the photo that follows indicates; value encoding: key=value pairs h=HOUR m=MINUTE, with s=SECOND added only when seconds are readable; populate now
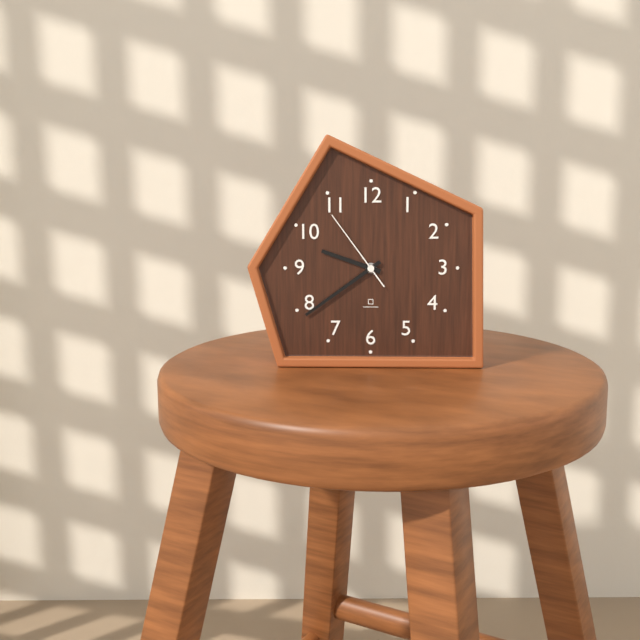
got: h=9 m=39 s=54
